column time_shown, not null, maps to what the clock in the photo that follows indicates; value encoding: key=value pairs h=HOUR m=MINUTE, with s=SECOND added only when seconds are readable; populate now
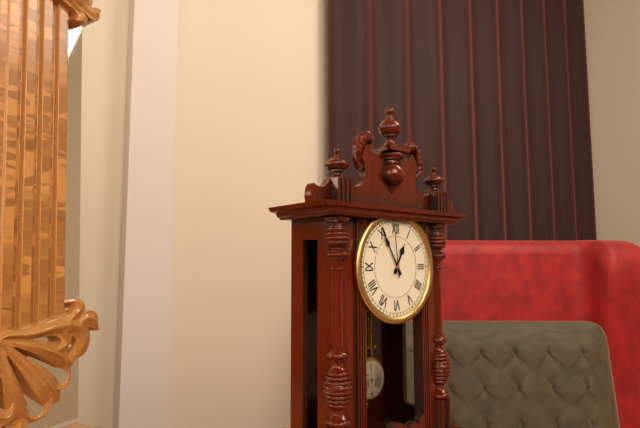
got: h=12 m=55 s=59
